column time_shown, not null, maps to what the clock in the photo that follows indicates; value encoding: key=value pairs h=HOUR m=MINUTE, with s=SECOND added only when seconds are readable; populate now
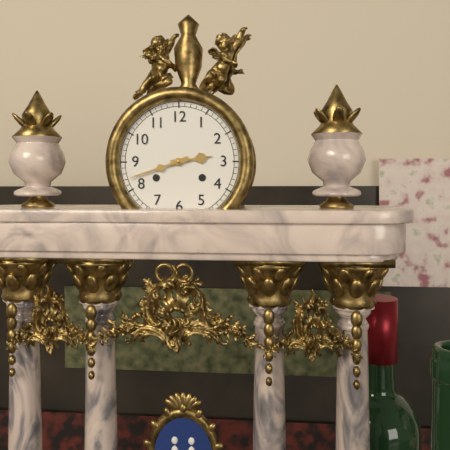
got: h=2 m=42
